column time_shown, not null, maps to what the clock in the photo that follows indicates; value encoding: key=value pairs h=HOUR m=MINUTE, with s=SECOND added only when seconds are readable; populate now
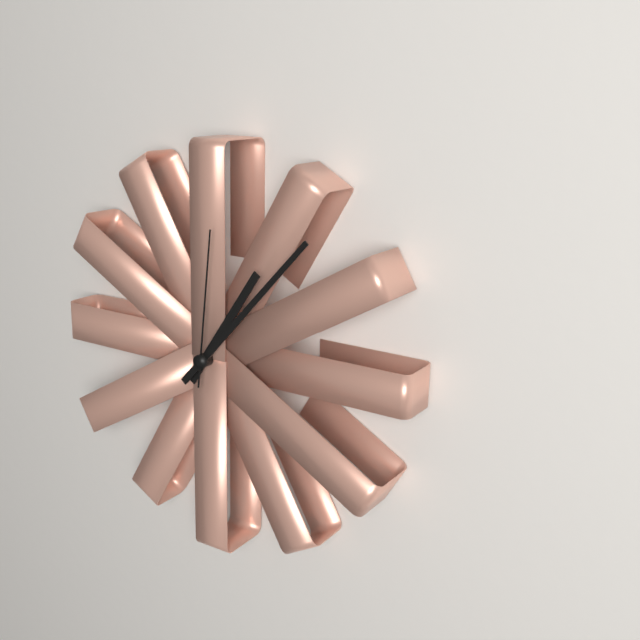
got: h=1 m=7 s=1
